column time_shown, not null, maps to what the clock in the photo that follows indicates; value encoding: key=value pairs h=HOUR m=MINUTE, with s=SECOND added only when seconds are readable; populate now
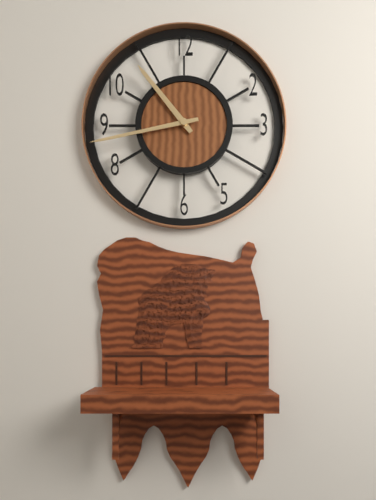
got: h=10 m=43
